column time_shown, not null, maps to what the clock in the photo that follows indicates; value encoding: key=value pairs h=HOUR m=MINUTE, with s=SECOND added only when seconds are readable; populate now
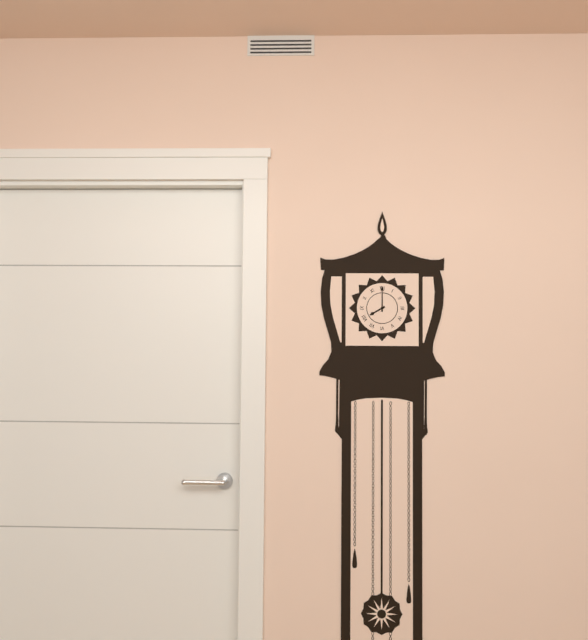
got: h=8 m=0
